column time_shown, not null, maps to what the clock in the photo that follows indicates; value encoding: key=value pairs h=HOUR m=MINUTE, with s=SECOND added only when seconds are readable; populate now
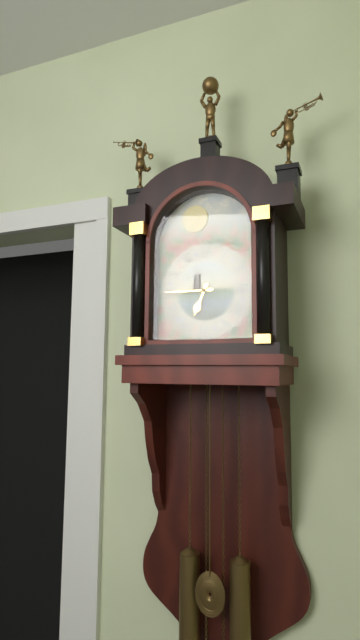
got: h=6 m=45
